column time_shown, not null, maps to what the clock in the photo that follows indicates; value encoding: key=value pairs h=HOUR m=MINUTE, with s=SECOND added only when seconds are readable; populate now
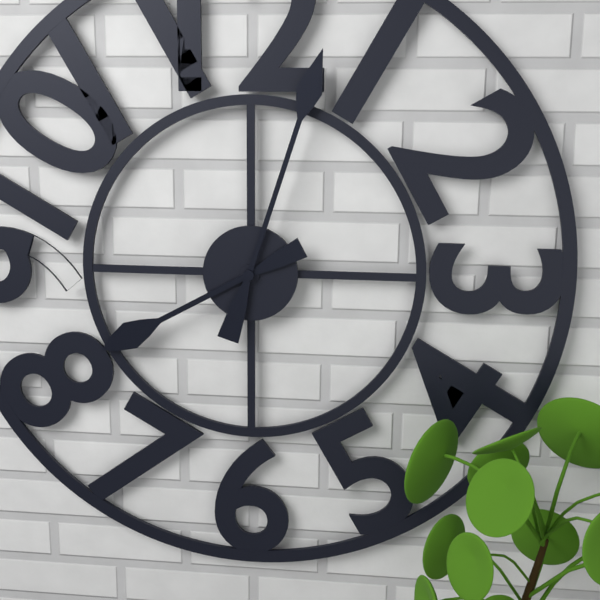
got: h=8 m=3
